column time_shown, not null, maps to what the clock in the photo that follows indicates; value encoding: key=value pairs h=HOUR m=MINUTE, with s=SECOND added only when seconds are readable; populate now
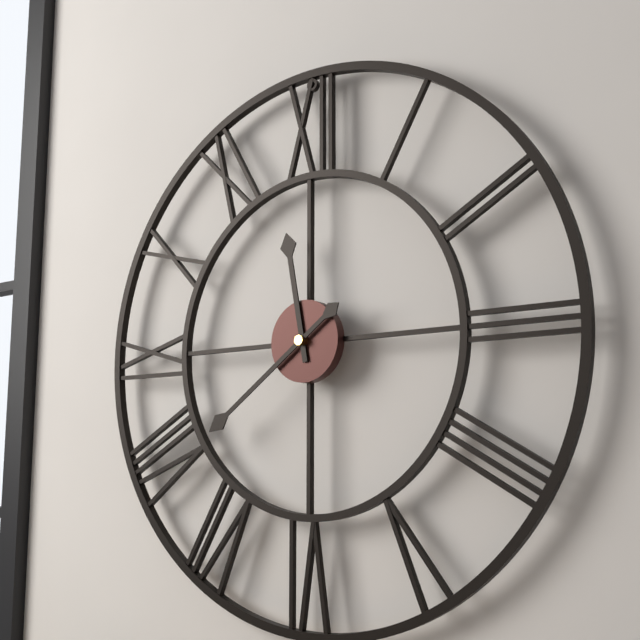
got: h=11 m=39
